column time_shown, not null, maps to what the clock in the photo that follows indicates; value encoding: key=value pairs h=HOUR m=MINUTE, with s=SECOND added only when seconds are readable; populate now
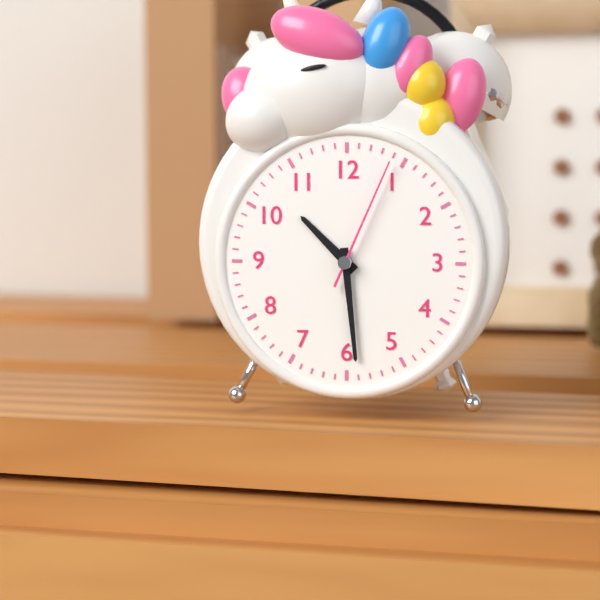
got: h=10 m=29 s=4
